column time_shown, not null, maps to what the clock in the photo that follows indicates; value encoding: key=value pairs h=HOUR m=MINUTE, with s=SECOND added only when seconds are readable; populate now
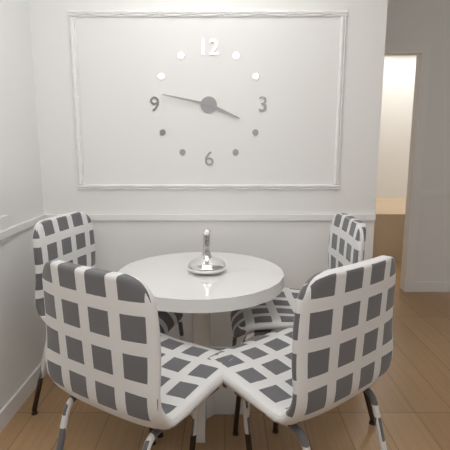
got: h=3 m=47
